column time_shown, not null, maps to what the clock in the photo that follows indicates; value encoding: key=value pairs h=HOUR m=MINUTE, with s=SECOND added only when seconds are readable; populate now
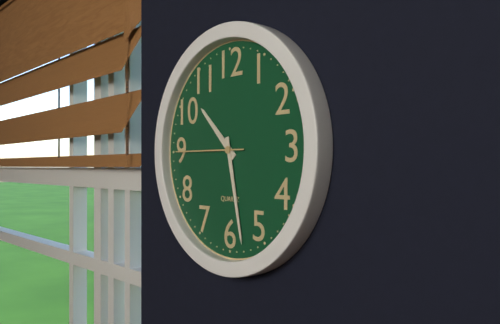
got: h=10 m=28 s=45
